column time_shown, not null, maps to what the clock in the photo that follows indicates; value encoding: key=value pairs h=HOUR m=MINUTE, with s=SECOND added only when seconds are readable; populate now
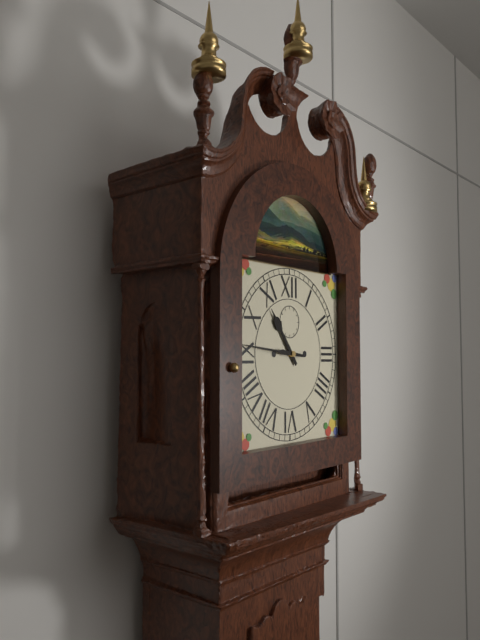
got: h=10 m=46
